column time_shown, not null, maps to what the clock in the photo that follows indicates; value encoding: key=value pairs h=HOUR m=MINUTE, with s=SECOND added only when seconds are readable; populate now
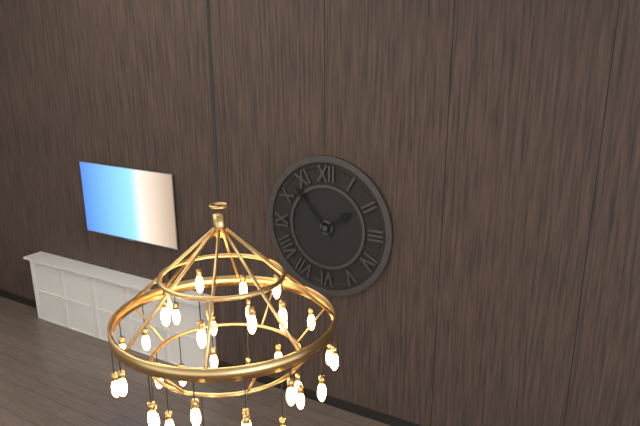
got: h=1 m=53
